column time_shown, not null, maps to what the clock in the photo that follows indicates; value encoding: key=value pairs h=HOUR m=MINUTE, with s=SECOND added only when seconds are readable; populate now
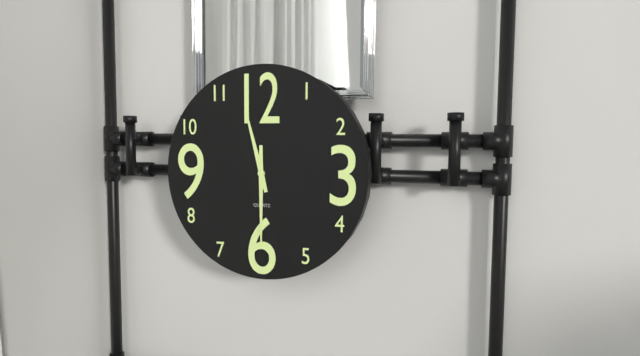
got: h=11 m=30
